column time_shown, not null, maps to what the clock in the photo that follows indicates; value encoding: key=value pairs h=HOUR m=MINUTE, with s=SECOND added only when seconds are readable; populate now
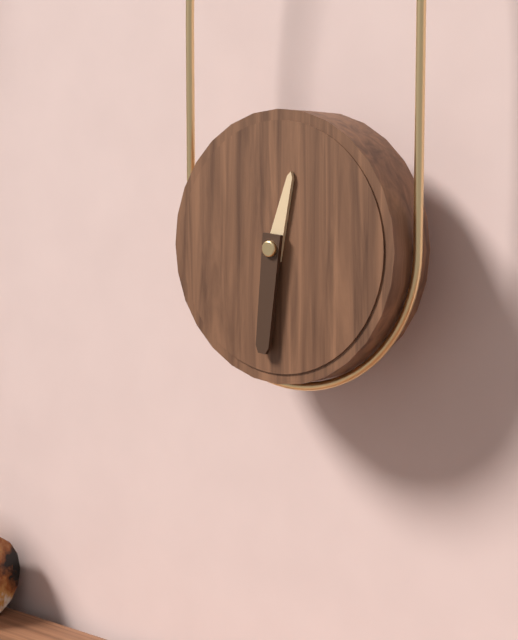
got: h=12 m=31
